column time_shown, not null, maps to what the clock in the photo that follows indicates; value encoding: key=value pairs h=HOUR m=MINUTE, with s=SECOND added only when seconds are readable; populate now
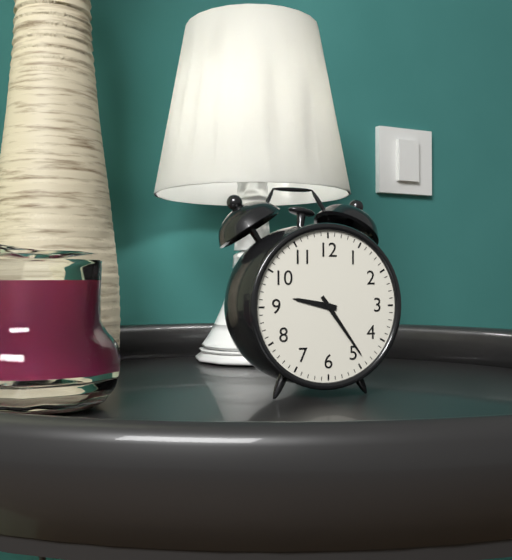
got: h=9 m=24
